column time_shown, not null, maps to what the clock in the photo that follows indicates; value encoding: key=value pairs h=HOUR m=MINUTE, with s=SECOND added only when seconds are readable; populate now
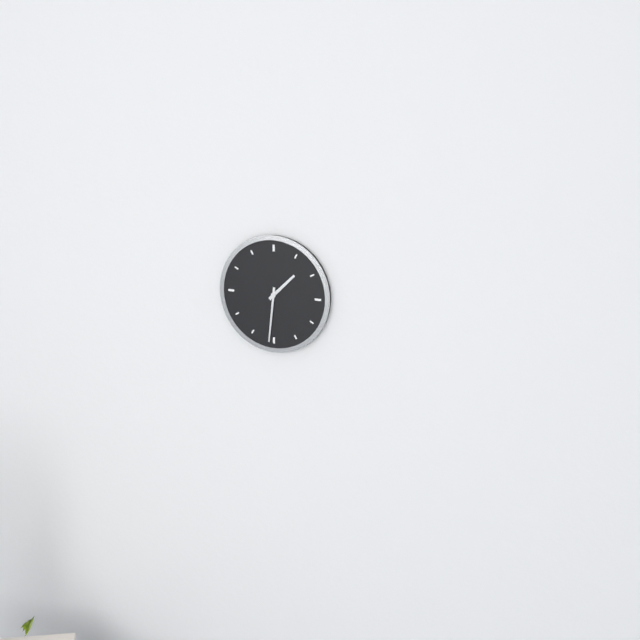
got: h=1 m=31
